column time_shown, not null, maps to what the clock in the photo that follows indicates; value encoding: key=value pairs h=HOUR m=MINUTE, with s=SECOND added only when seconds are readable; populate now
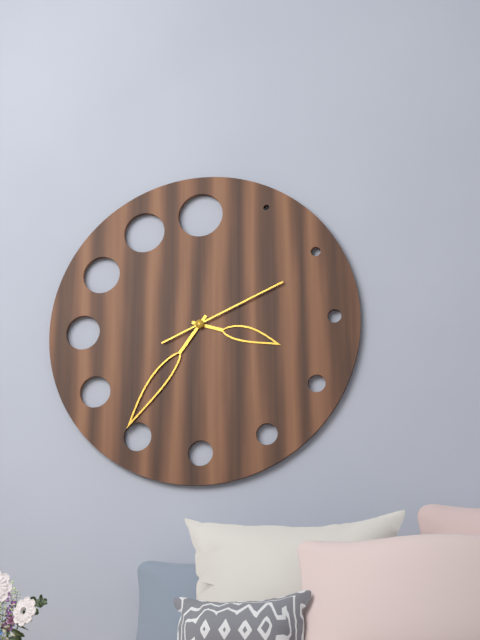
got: h=3 m=36 s=11
